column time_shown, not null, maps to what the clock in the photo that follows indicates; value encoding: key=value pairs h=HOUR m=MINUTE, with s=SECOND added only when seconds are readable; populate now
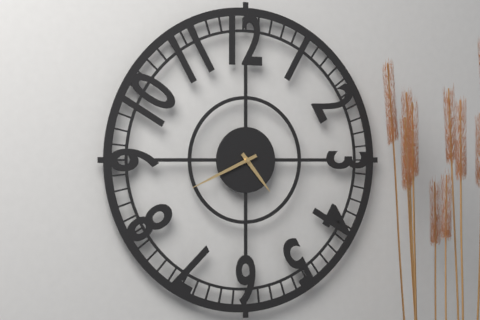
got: h=4 m=41
